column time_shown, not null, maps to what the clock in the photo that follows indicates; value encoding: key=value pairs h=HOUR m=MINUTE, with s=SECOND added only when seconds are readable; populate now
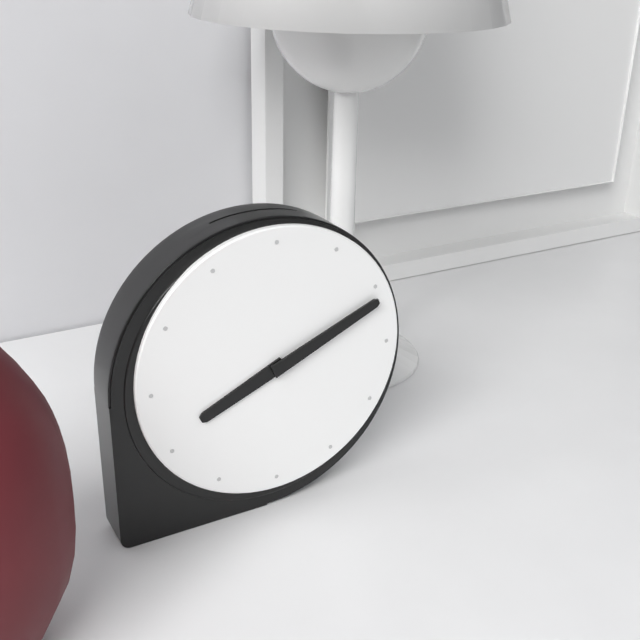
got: h=8 m=11
